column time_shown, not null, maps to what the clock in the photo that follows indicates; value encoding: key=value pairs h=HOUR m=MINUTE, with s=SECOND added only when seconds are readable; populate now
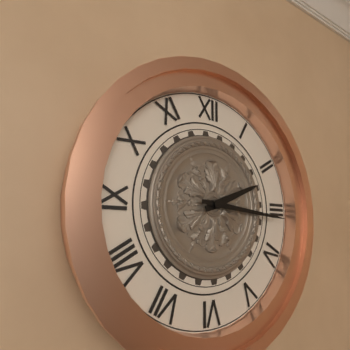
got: h=2 m=16
